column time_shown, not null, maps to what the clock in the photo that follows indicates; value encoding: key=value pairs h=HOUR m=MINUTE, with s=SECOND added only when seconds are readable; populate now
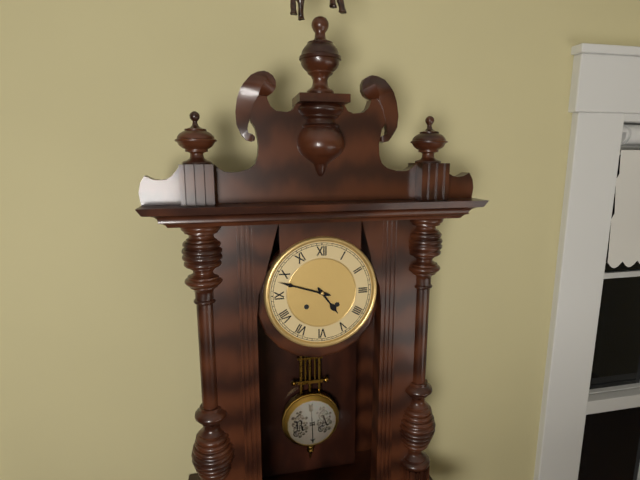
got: h=4 m=48
